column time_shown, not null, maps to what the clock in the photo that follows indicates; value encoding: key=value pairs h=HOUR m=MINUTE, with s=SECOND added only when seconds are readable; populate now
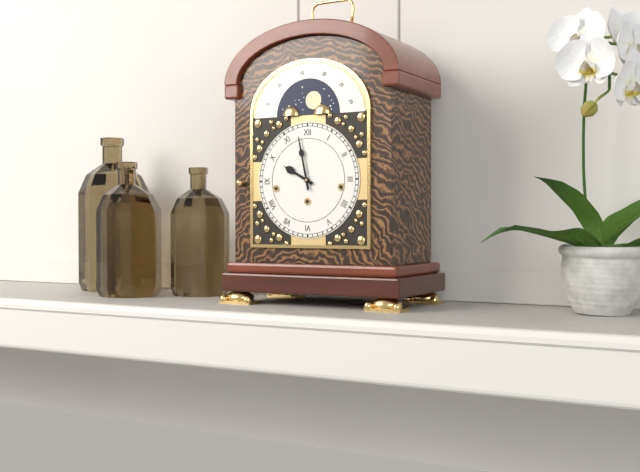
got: h=9 m=58
